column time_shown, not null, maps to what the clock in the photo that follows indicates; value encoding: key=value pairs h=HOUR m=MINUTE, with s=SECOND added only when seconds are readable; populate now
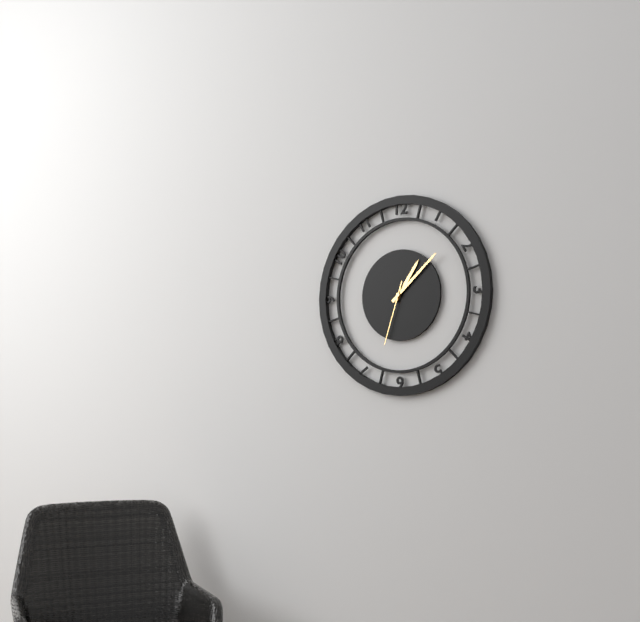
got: h=1 m=8 s=33
